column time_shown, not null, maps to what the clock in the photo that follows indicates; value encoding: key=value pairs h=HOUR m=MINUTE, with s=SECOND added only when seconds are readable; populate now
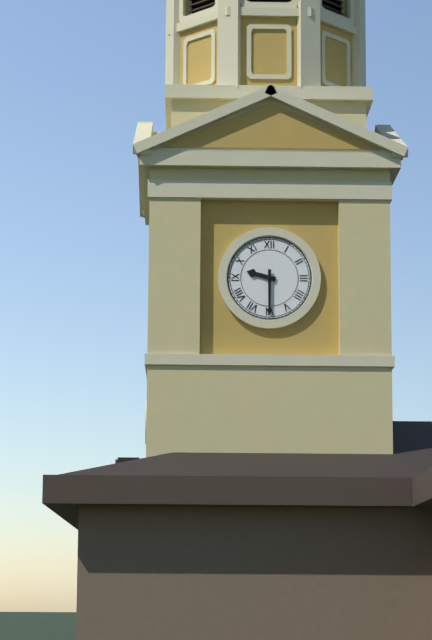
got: h=9 m=30
